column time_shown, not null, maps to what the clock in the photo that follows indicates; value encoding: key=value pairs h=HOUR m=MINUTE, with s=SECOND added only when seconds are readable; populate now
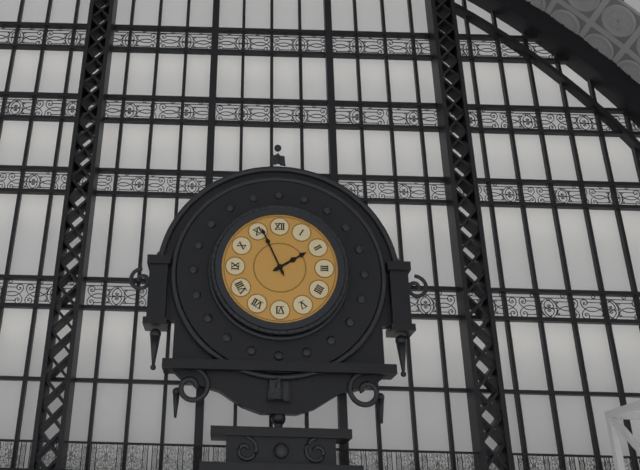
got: h=1 m=56
